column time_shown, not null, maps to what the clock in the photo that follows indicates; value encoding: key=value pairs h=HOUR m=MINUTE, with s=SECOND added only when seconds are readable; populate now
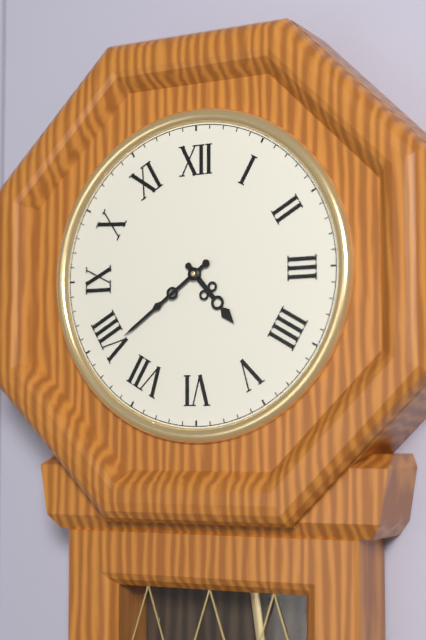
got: h=4 m=39
